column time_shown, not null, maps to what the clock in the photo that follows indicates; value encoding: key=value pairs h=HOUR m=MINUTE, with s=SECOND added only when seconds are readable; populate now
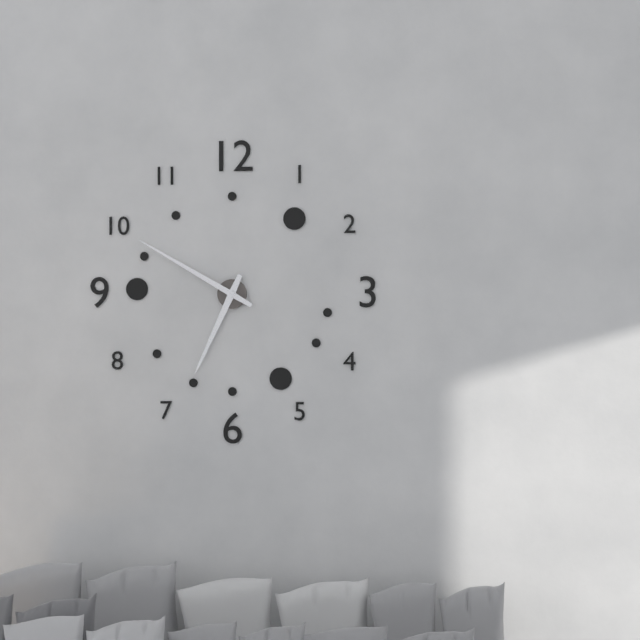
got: h=6 m=50
